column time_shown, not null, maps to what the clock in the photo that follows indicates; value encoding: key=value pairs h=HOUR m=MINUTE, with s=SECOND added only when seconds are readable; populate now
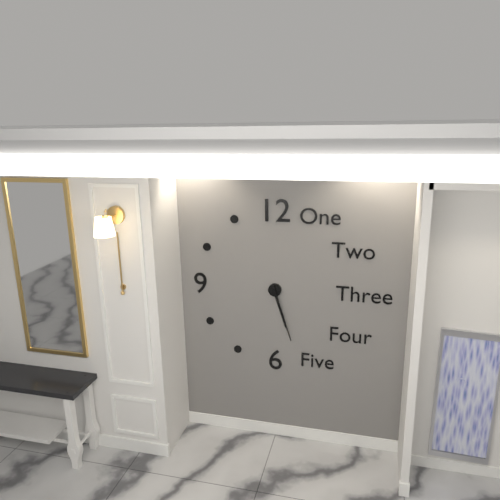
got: h=5 m=27
